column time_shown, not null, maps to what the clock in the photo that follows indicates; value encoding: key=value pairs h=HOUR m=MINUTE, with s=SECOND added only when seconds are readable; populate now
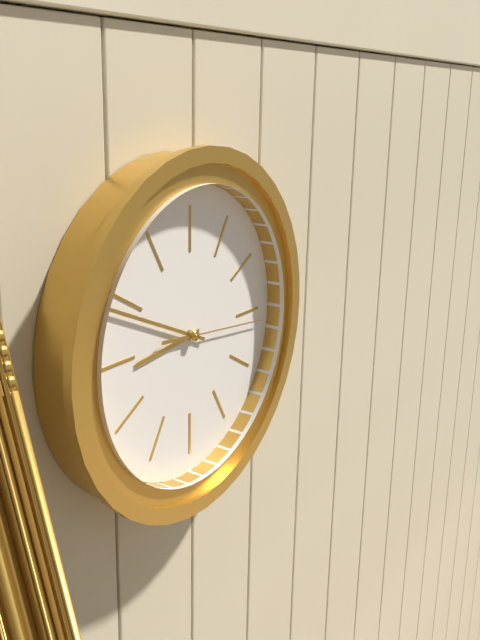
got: h=8 m=49 s=16
